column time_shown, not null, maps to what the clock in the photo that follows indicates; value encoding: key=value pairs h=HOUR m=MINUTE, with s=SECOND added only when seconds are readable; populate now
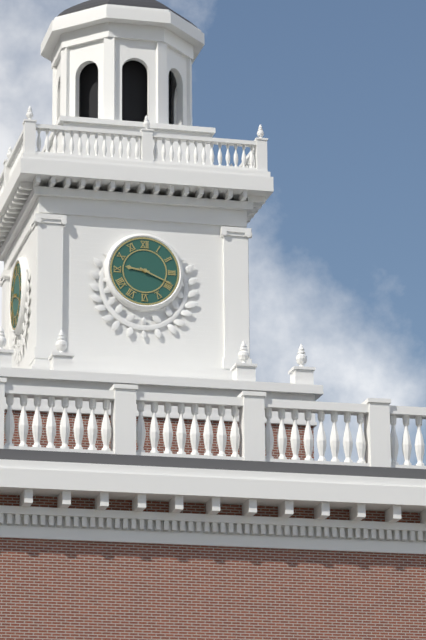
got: h=9 m=19
